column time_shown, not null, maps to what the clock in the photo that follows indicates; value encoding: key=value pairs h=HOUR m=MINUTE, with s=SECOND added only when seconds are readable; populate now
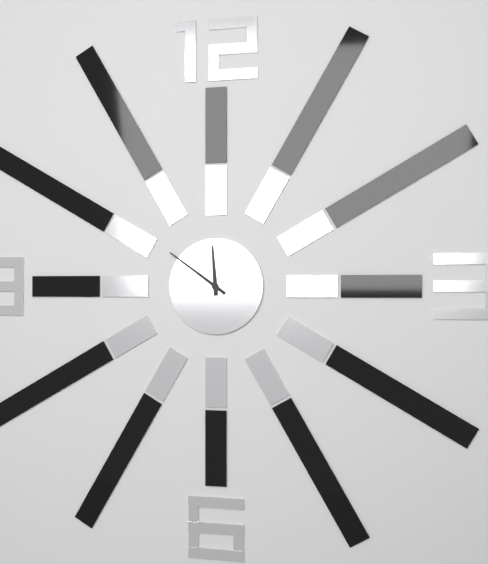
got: h=11 m=51
